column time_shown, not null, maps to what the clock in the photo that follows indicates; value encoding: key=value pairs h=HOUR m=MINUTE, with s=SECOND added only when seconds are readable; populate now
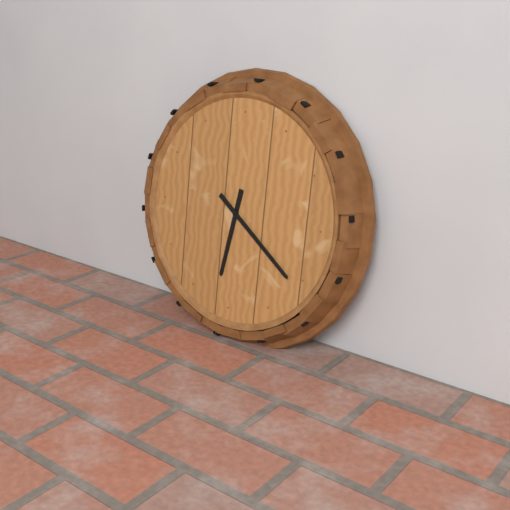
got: h=6 m=21
